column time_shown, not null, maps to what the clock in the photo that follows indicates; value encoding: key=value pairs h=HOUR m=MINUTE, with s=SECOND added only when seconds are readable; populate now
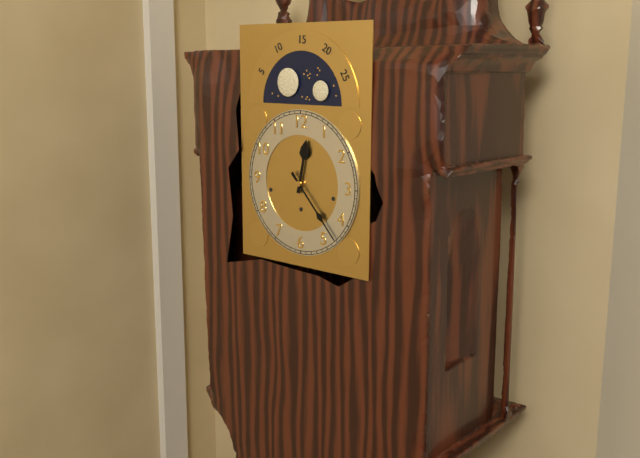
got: h=12 m=23
